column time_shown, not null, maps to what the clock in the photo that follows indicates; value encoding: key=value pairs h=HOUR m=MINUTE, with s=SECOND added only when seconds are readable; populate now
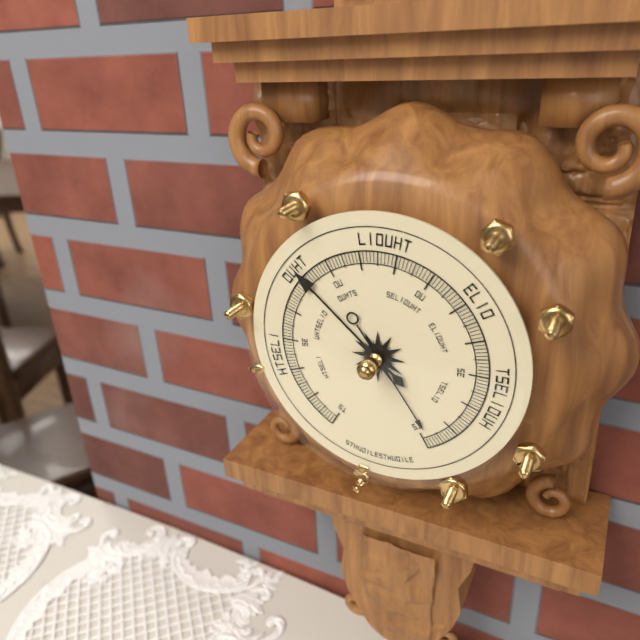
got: h=4 m=52
